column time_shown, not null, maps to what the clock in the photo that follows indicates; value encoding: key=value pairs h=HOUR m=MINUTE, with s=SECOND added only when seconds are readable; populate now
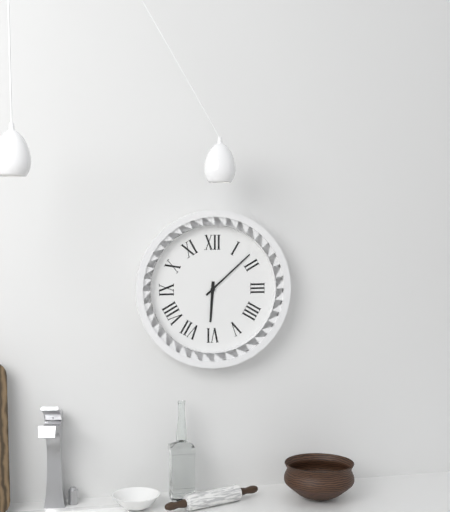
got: h=6 m=8
